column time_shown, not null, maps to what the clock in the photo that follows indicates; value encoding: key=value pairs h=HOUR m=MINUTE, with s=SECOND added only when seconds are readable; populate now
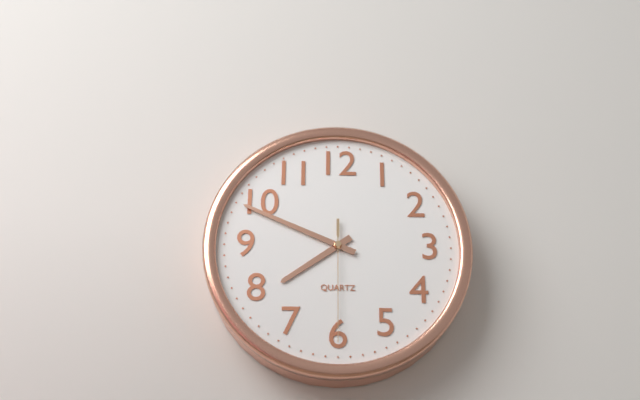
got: h=7 m=49 s=30
